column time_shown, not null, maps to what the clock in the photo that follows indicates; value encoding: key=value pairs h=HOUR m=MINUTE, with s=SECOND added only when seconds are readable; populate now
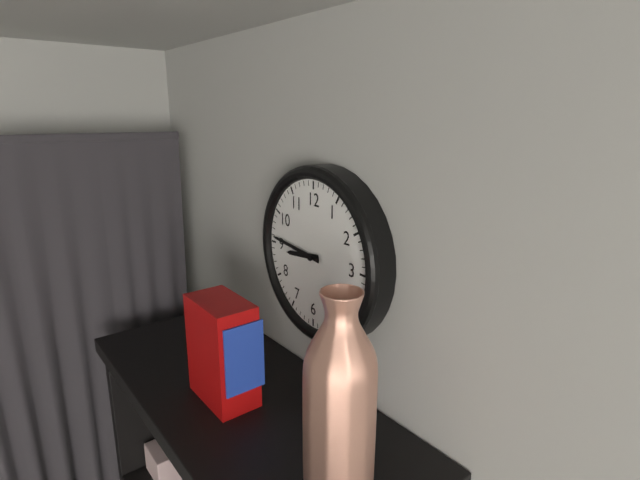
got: h=8 m=46
